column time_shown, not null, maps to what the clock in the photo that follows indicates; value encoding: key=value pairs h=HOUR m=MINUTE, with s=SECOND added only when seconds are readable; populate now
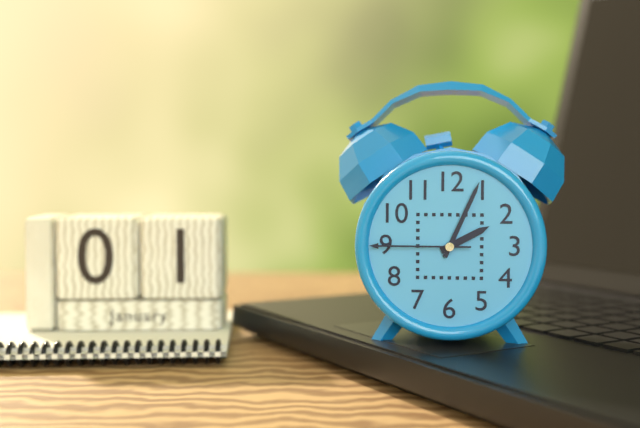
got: h=2 m=4 s=45
